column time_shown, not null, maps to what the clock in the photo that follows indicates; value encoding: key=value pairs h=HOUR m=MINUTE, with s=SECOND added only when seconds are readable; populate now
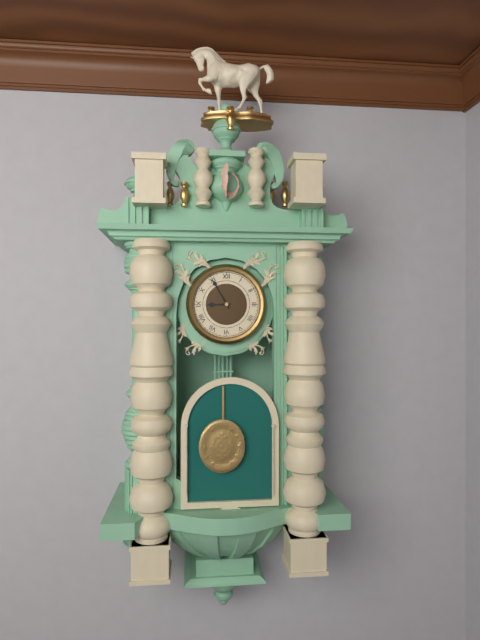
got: h=8 m=55
